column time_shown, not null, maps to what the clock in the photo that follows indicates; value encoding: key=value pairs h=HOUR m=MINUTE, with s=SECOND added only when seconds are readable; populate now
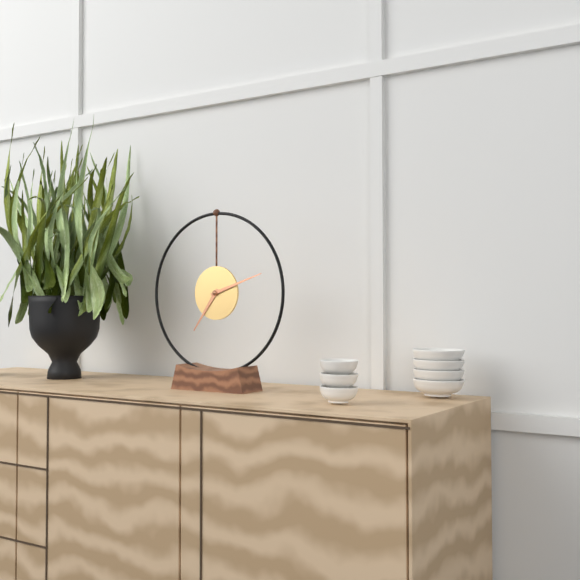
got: h=7 m=12
